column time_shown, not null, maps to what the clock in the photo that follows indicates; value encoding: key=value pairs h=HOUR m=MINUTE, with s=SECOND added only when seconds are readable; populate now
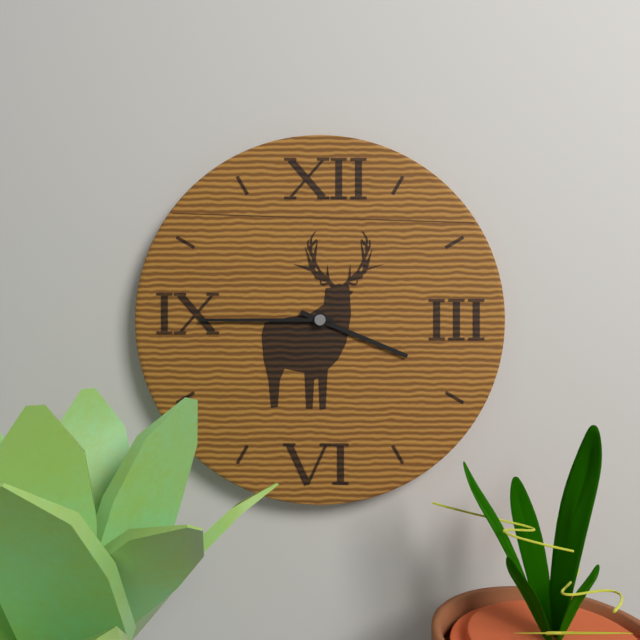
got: h=3 m=45
